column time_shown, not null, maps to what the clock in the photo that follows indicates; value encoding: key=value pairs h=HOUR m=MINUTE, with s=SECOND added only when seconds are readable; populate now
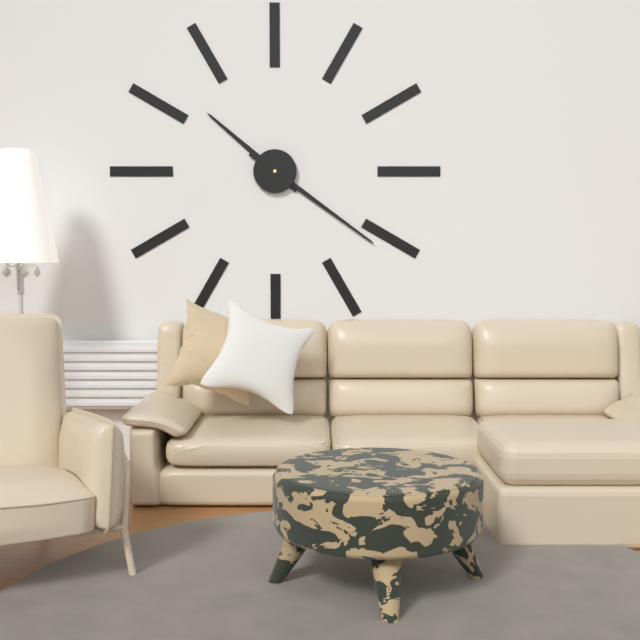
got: h=10 m=21
